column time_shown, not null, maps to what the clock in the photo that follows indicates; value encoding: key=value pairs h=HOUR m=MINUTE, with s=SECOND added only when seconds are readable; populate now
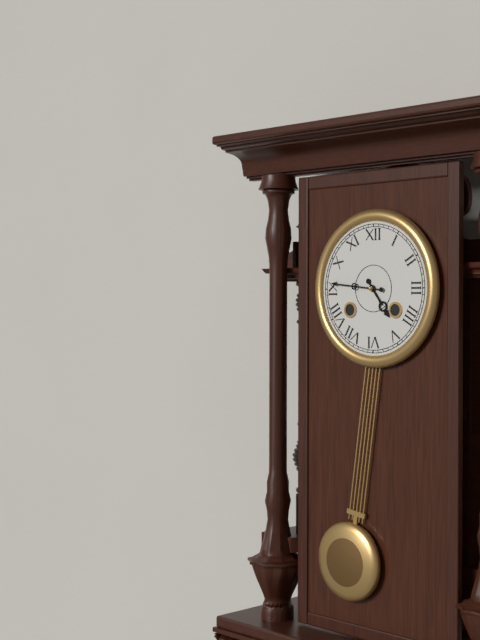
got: h=4 m=46
